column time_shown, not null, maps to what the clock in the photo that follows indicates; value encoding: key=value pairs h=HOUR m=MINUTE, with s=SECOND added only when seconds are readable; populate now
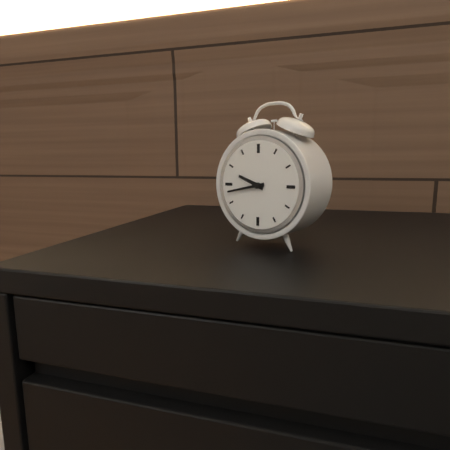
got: h=9 m=43
